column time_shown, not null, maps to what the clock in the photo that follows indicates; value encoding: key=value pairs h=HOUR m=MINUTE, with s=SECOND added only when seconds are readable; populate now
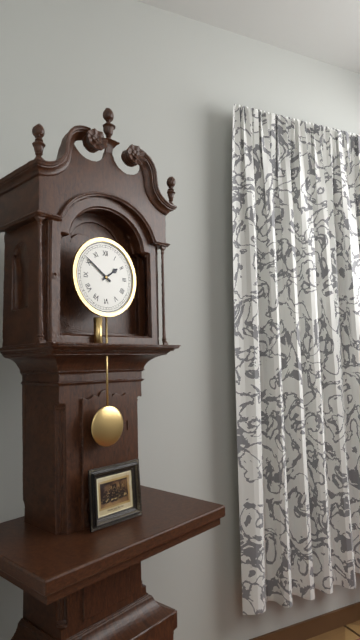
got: h=1 m=51
